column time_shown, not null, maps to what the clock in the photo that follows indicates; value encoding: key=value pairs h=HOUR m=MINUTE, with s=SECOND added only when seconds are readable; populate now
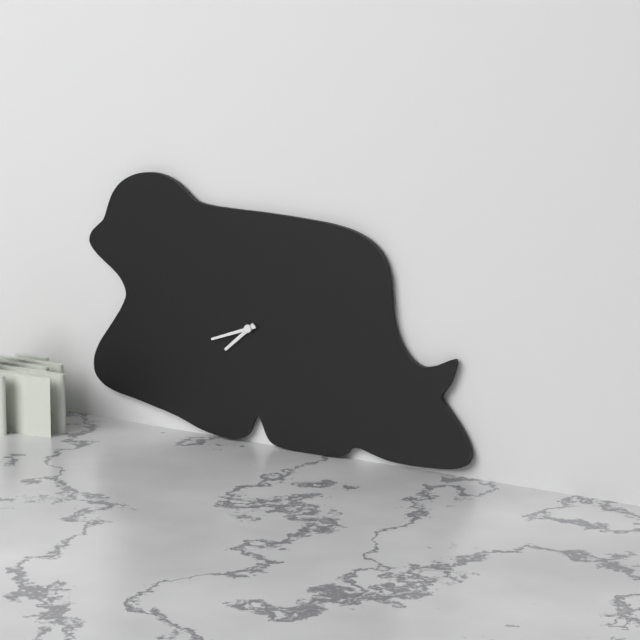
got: h=7 m=42
